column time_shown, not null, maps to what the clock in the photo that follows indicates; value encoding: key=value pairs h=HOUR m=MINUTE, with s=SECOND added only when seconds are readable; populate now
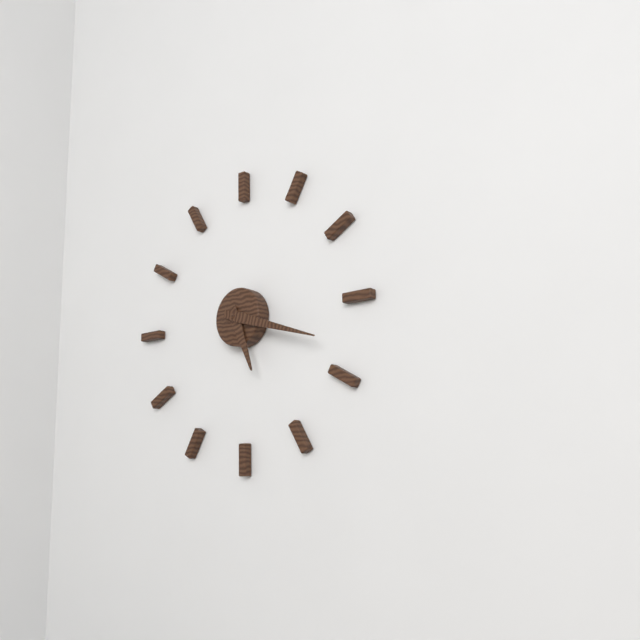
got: h=5 m=18
